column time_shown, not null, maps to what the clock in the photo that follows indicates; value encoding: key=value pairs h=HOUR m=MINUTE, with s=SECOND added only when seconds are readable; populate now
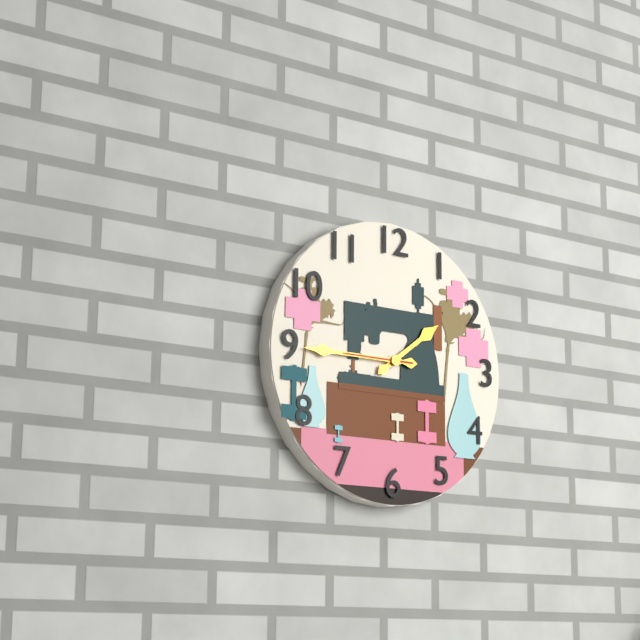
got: h=1 m=45 s=45
